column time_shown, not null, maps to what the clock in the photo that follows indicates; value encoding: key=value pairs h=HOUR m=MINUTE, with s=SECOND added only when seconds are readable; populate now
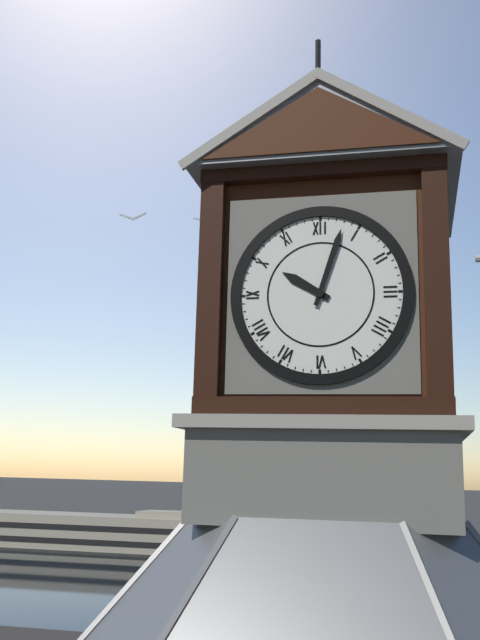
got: h=10 m=3
